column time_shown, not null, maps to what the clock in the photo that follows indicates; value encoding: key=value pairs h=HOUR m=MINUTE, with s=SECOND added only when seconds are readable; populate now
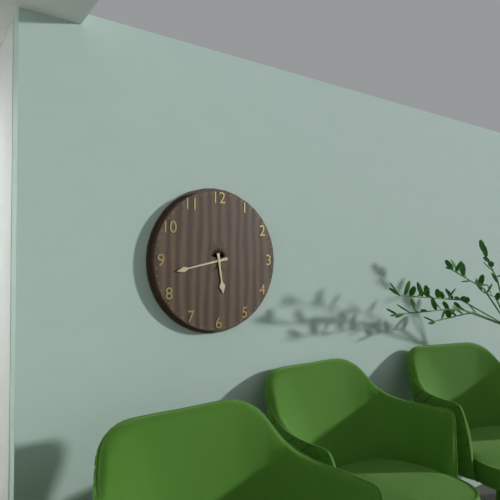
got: h=5 m=43
